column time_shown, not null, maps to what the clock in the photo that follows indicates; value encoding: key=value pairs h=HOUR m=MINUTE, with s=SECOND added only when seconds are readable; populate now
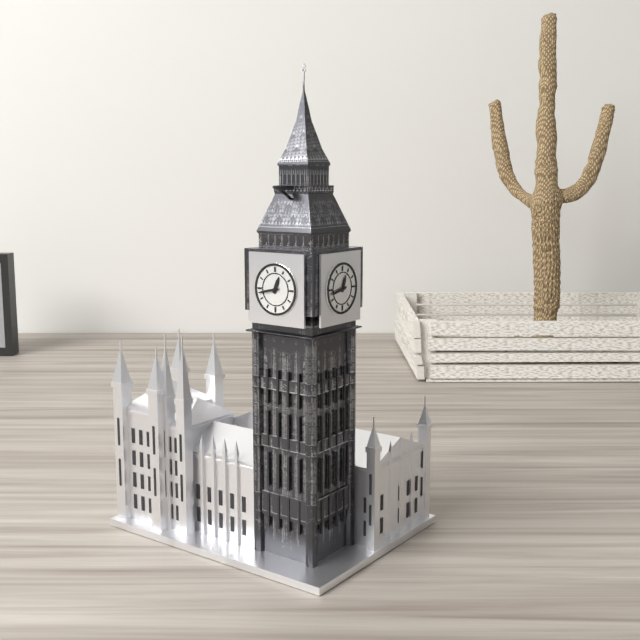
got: h=12 m=43
